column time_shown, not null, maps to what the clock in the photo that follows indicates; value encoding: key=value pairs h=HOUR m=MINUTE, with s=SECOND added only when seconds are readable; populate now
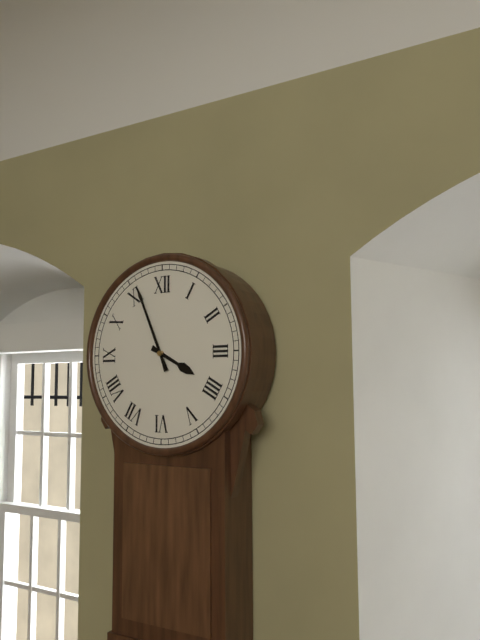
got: h=3 m=56
